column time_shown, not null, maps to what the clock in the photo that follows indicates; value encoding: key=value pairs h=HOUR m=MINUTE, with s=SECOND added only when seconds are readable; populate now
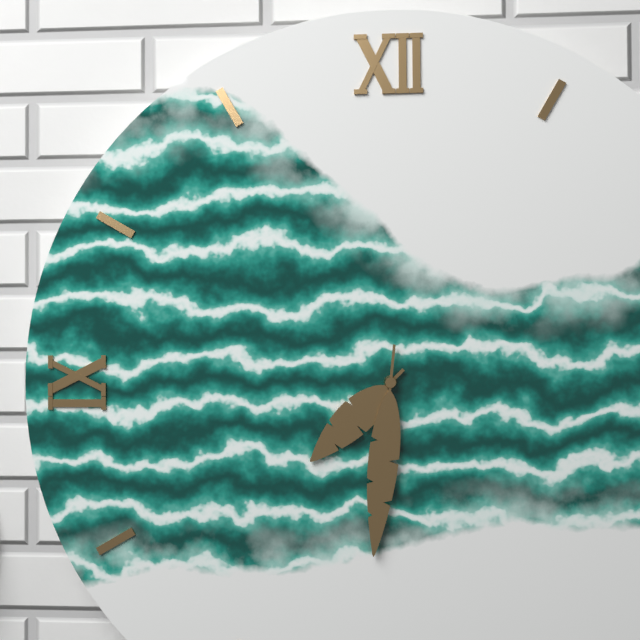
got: h=7 m=31
